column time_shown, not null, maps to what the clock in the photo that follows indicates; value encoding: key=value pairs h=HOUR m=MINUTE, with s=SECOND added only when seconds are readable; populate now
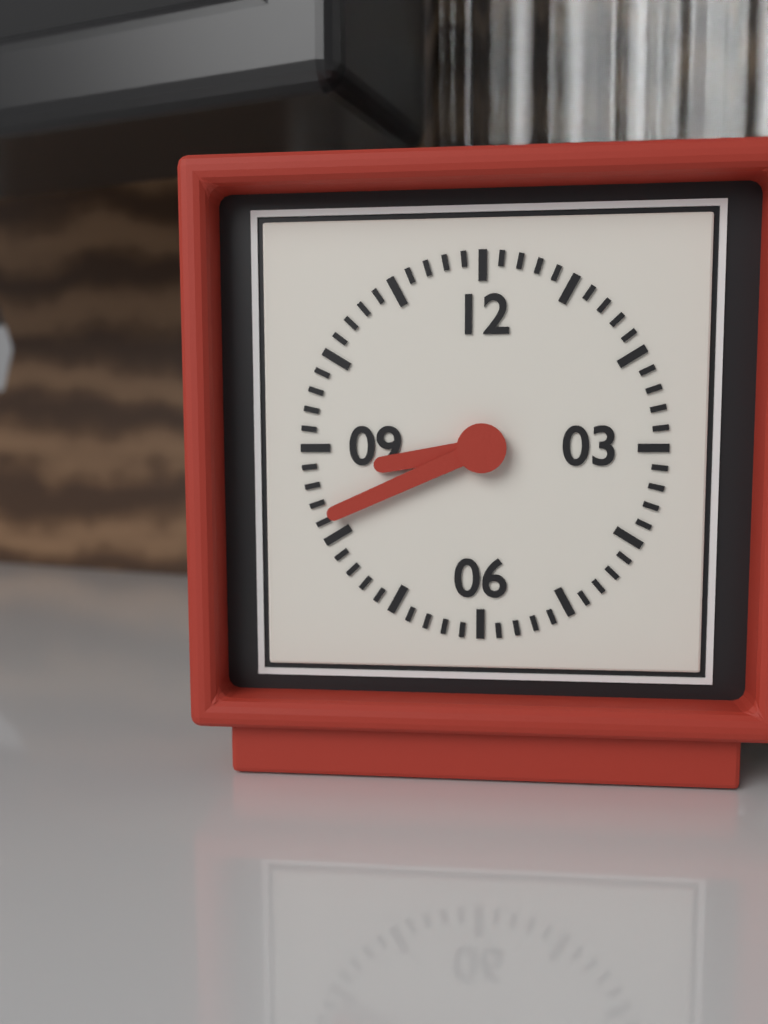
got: h=8 m=41
